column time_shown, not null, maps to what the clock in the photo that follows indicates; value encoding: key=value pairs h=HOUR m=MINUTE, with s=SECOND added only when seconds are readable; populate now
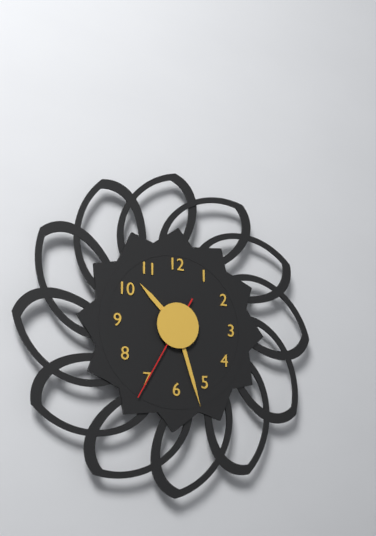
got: h=10 m=27 s=35
